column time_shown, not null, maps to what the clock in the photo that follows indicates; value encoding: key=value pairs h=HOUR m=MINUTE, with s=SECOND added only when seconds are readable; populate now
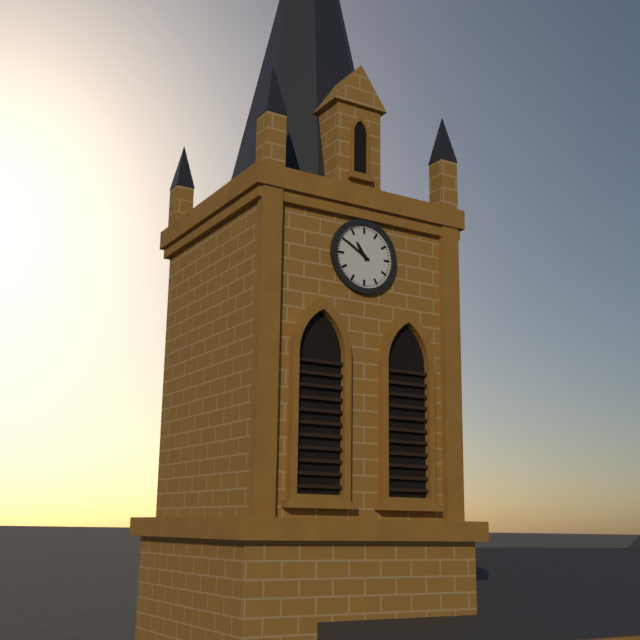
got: h=10 m=50
